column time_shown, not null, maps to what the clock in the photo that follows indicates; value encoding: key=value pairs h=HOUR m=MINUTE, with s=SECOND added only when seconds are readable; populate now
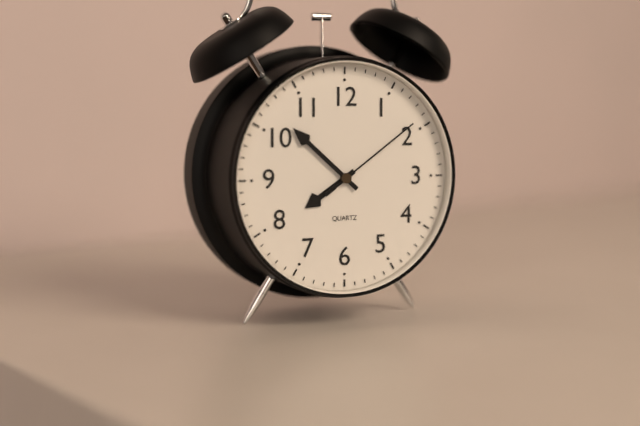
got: h=7 m=52 s=9
